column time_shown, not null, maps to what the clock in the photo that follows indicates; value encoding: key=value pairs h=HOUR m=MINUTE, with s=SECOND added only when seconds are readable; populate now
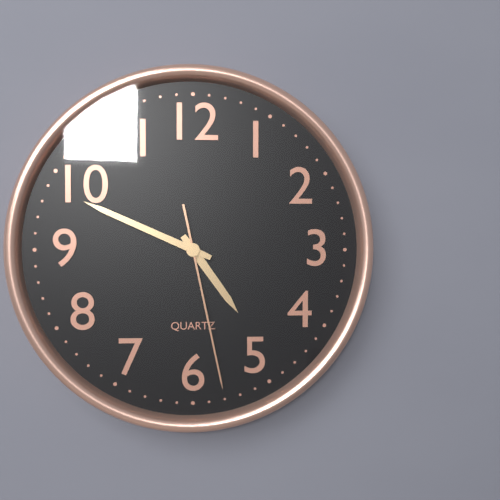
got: h=4 m=49 s=28
